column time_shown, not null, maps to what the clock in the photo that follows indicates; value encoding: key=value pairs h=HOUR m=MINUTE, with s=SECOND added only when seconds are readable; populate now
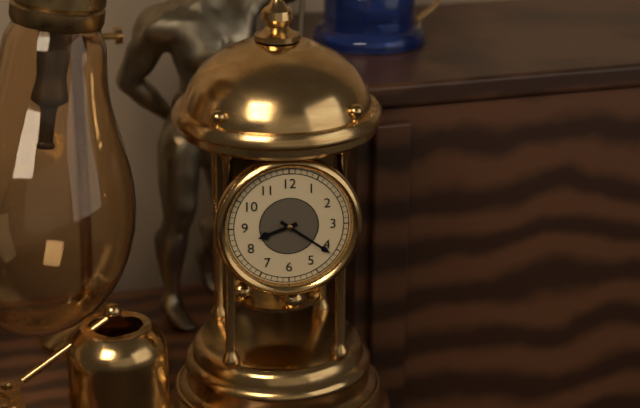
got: h=8 m=21
